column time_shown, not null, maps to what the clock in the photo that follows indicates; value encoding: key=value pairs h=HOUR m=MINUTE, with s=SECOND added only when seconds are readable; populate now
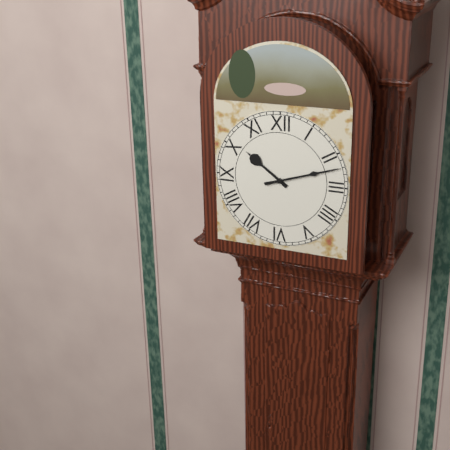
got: h=10 m=12
